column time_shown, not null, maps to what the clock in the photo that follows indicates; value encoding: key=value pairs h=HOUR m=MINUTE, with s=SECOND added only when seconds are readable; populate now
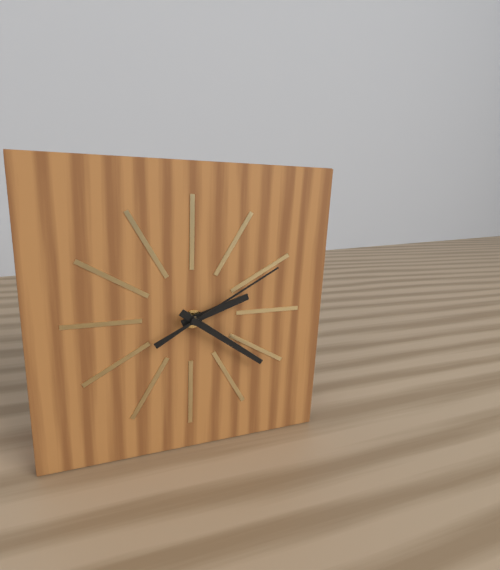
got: h=2 m=21 s=10
